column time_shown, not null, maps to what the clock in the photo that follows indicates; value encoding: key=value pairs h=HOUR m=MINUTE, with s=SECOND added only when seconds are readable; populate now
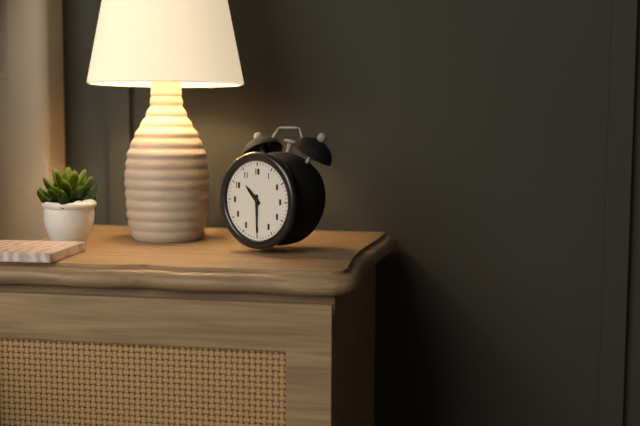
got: h=10 m=30
